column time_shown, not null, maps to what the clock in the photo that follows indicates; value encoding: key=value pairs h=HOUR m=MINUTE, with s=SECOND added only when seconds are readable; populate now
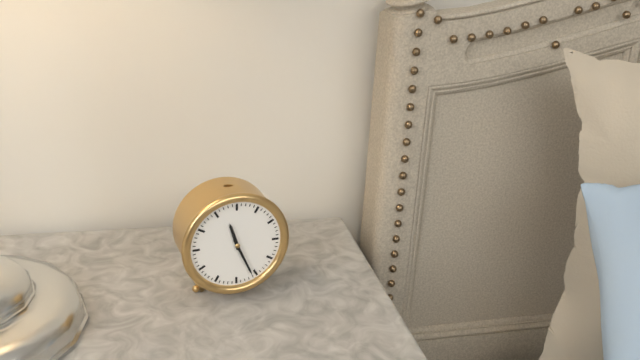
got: h=11 m=26
